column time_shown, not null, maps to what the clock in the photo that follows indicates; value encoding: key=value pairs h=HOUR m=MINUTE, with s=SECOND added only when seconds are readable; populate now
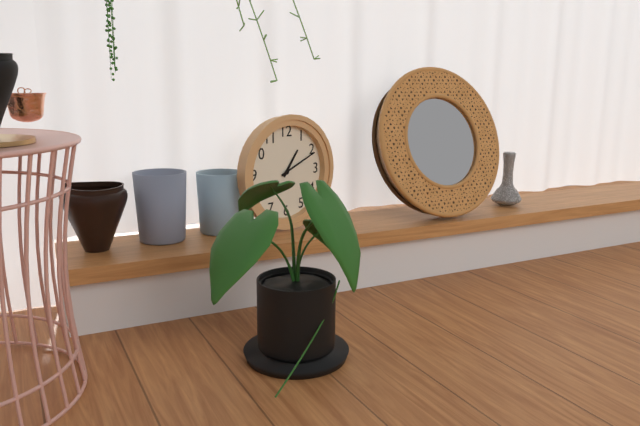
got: h=1 m=11
